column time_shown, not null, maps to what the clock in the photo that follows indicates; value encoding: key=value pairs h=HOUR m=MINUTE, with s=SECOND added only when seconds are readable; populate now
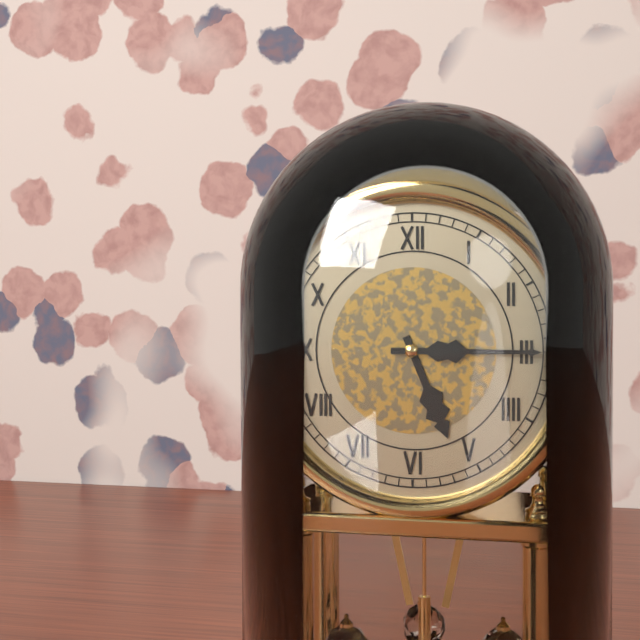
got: h=5 m=15
